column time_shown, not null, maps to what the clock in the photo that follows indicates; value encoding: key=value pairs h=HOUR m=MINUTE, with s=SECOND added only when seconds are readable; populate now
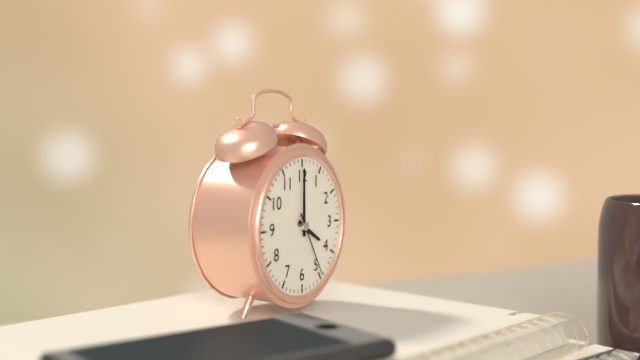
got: h=4 m=0 s=25
